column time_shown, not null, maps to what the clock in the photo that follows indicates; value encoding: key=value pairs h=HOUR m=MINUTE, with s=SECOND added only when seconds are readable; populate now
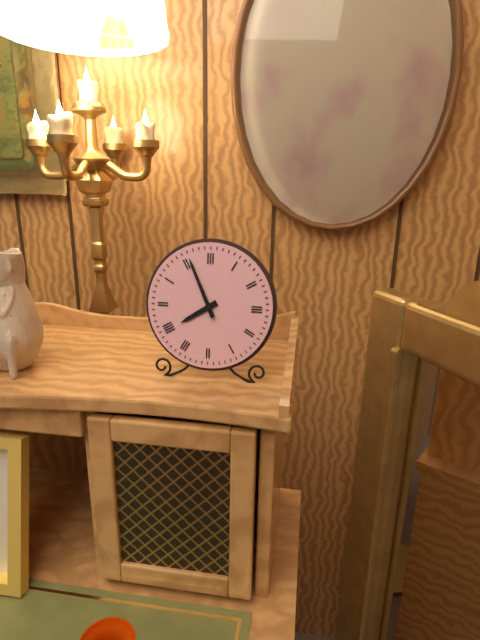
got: h=7 m=56
